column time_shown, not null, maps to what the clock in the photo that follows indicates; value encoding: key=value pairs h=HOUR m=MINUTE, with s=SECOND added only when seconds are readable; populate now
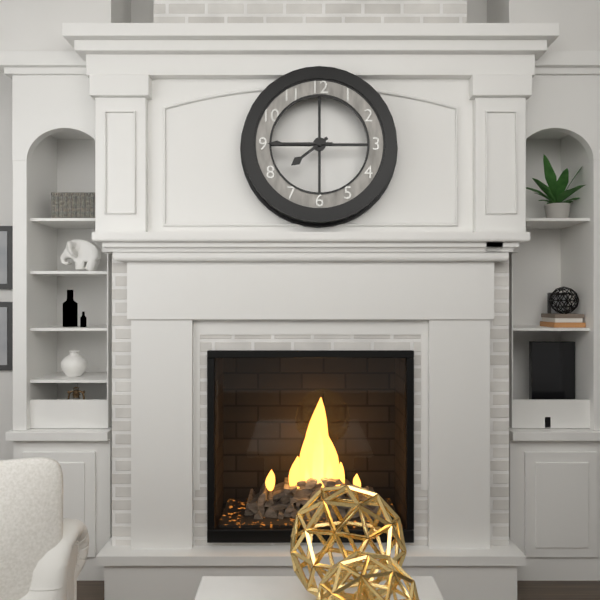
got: h=7 m=45
